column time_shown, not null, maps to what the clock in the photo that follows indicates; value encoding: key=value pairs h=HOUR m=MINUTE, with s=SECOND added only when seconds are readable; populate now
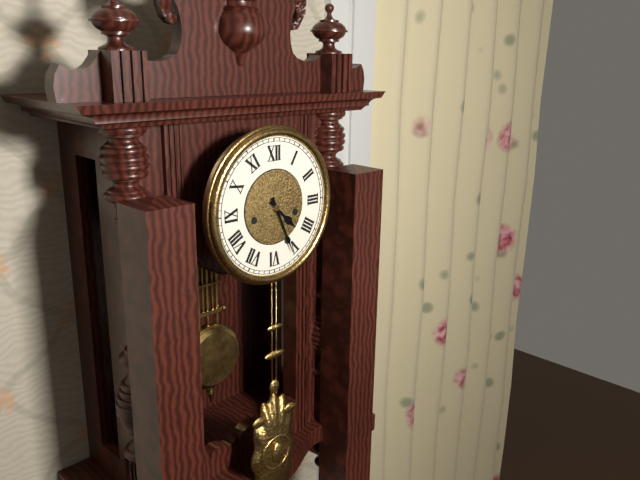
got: h=4 m=26
